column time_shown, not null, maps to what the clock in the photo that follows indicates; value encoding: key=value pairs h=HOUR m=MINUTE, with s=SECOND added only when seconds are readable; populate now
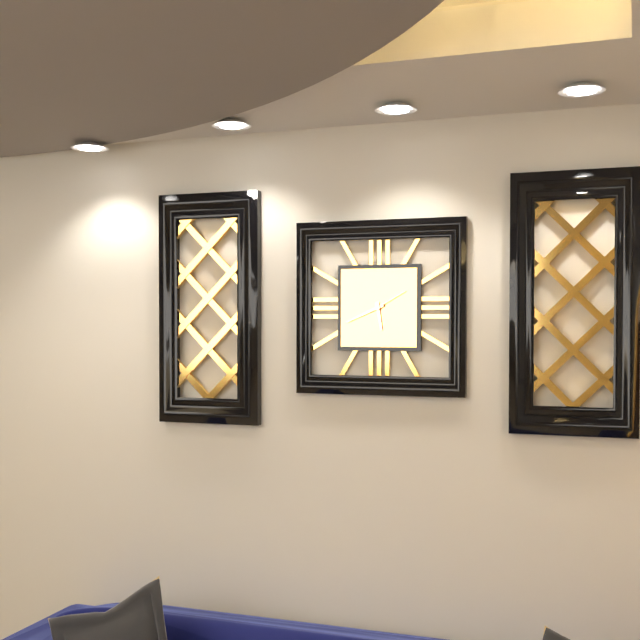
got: h=5 m=41
